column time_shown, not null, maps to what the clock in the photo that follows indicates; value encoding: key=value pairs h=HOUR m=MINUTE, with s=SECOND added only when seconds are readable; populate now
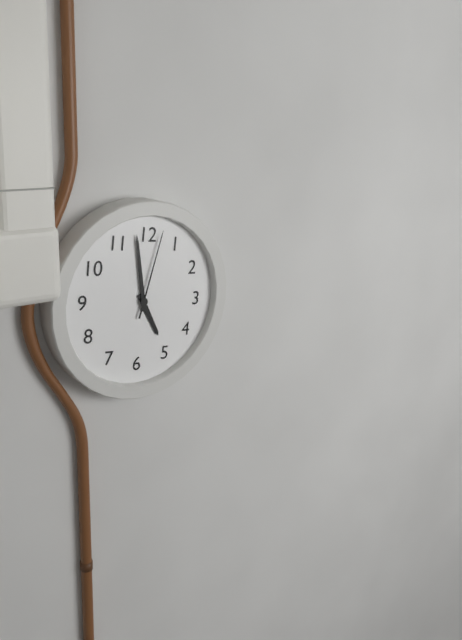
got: h=4 m=58 s=2
